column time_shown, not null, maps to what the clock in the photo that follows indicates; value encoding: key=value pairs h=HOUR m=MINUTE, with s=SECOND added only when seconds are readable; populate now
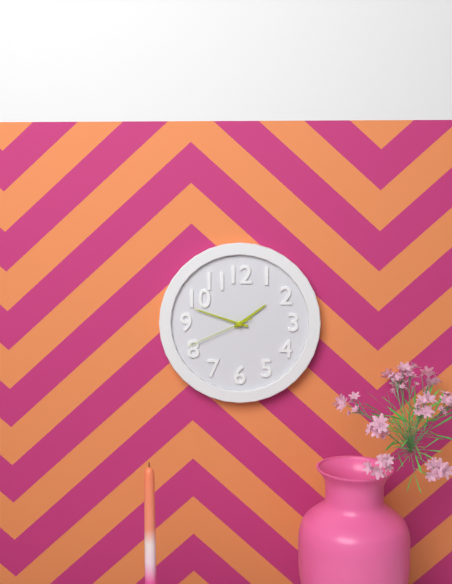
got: h=1 m=48 s=41
